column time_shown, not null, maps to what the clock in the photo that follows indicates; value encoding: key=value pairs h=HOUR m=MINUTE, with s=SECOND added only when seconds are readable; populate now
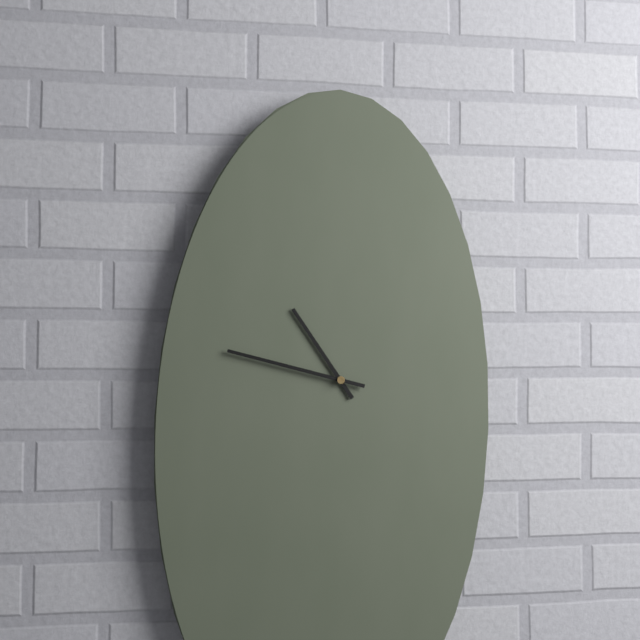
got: h=10 m=47
